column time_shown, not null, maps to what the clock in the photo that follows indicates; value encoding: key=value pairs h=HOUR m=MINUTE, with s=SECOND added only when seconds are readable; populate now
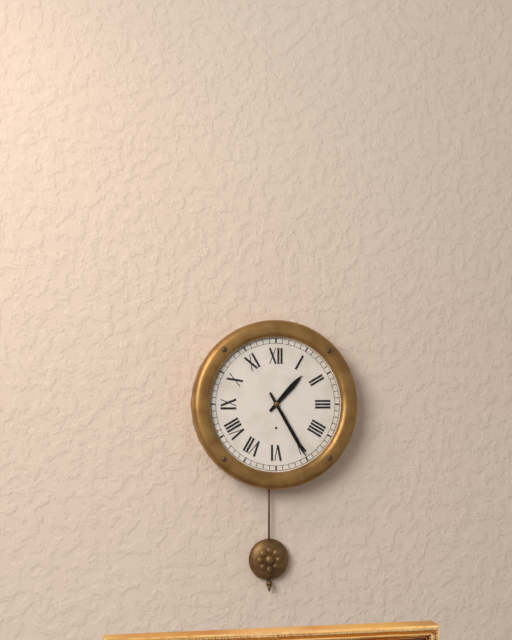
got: h=1 m=25
